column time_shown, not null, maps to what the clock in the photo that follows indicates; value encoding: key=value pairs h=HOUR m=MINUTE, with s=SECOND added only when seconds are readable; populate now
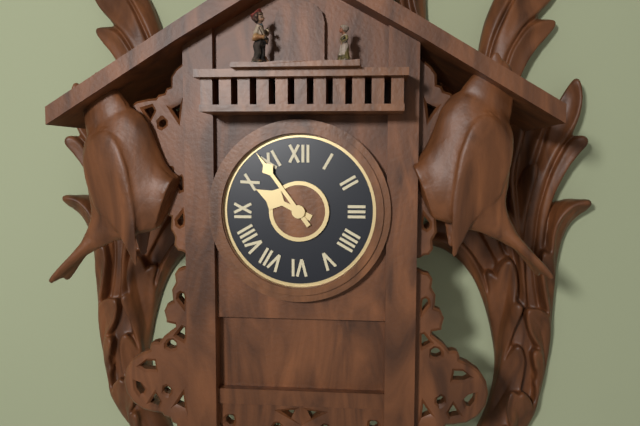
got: h=9 m=54
